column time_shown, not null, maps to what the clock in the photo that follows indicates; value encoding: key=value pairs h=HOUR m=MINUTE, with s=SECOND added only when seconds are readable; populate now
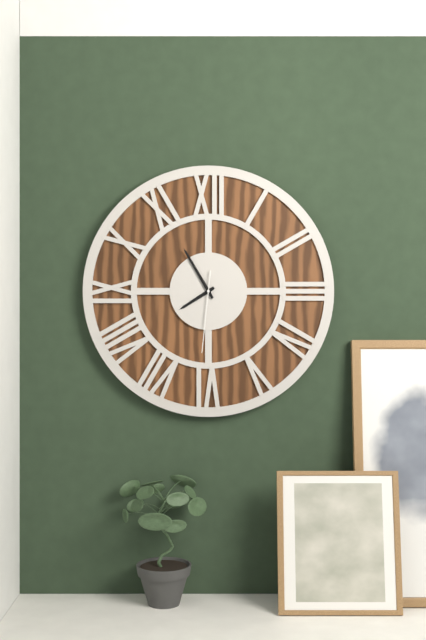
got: h=7 m=55 s=31
